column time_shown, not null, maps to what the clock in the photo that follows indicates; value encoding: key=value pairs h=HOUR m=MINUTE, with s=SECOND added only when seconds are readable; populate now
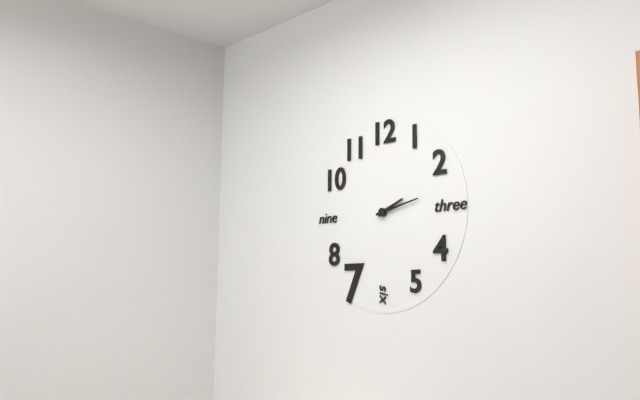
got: h=2 m=13
